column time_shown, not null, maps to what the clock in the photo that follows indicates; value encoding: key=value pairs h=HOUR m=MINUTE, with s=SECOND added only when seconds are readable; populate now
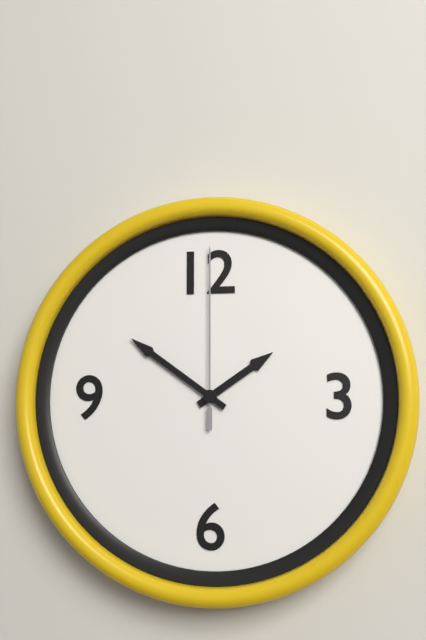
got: h=1 m=51 s=0
